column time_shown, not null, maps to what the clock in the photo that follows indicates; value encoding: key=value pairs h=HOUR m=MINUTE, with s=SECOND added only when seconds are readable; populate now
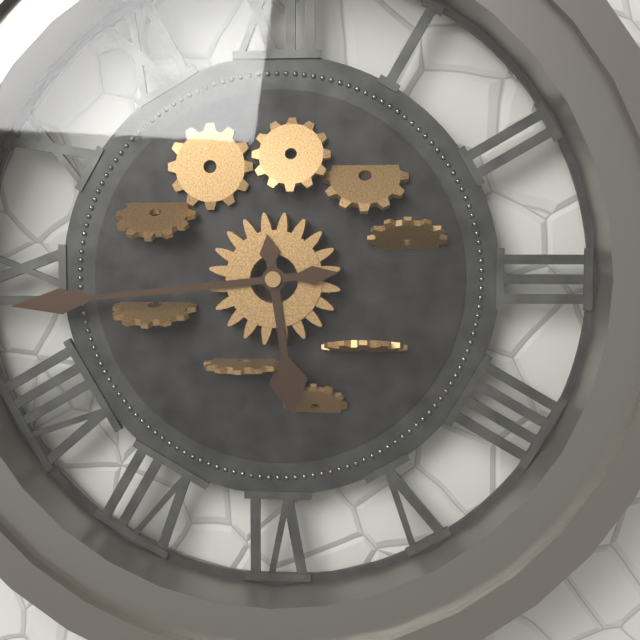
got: h=5 m=44
